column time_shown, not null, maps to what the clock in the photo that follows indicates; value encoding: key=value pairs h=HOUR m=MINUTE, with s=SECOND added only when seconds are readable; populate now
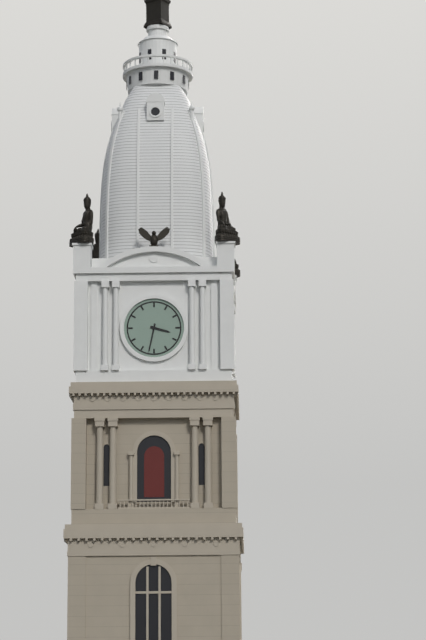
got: h=3 m=32
